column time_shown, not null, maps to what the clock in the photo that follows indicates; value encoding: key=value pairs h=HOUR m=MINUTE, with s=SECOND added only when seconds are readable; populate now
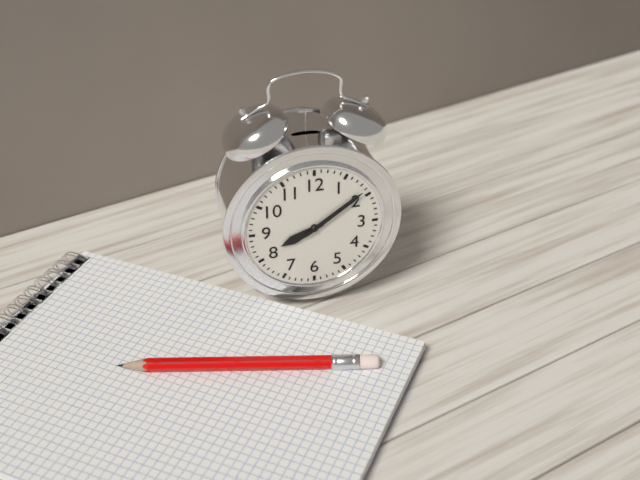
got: h=8 m=9
